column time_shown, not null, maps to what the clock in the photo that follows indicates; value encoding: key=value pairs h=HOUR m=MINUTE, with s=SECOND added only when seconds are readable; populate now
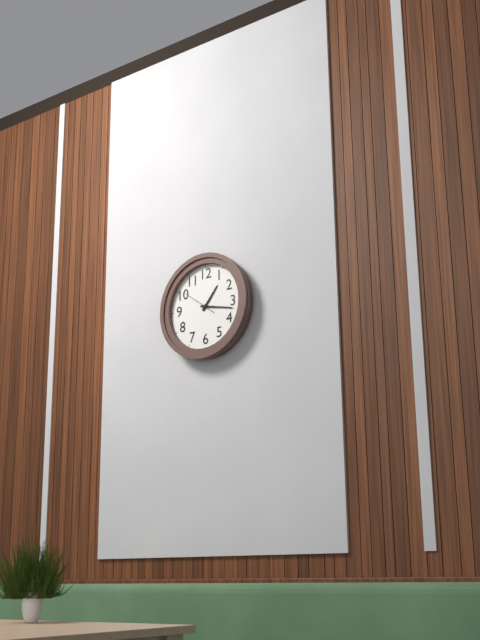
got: h=1 m=17
